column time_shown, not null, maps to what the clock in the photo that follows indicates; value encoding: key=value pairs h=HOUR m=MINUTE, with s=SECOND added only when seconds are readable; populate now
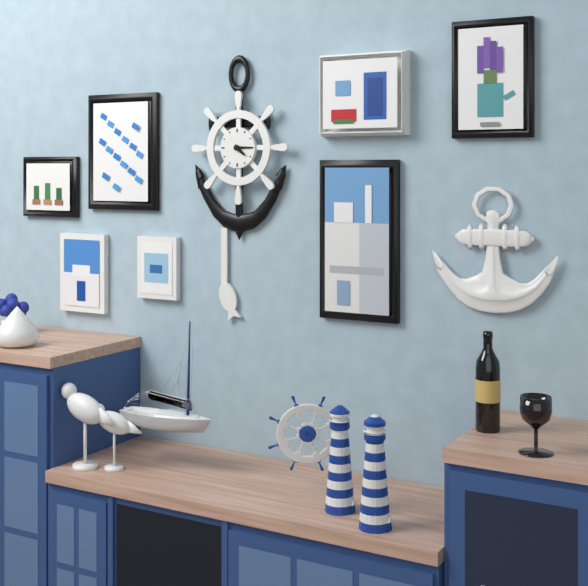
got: h=4 m=15
